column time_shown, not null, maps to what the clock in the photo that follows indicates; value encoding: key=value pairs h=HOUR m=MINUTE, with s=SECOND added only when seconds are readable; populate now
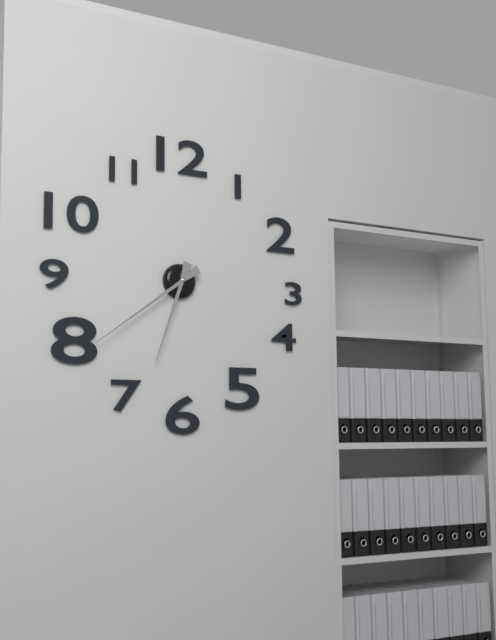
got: h=6 m=39
